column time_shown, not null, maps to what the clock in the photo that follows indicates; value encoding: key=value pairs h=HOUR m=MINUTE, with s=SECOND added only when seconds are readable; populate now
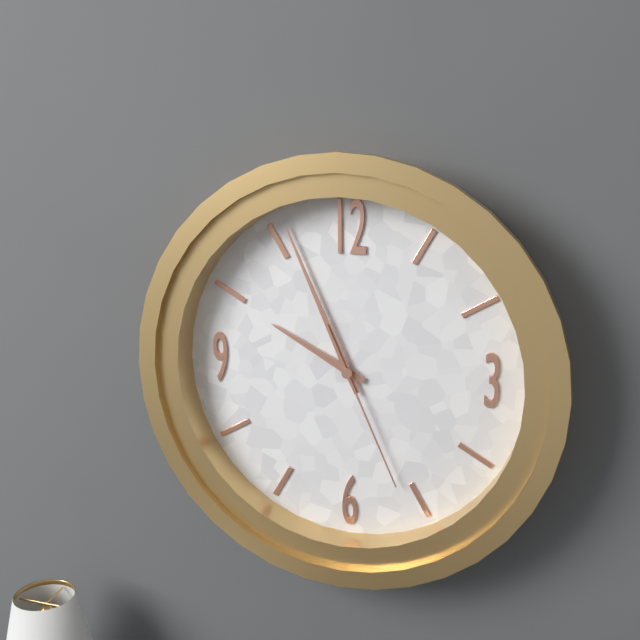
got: h=9 m=56 s=26
